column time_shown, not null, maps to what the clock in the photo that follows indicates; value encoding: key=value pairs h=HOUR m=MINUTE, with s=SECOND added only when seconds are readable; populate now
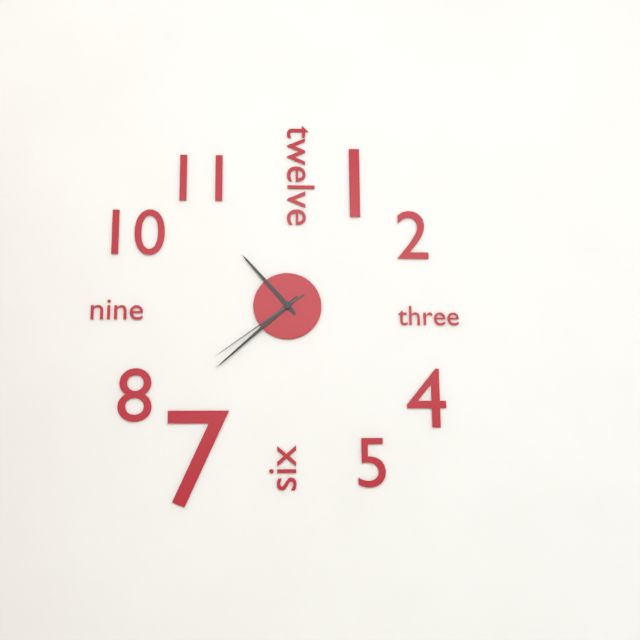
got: h=10 m=38 s=39
